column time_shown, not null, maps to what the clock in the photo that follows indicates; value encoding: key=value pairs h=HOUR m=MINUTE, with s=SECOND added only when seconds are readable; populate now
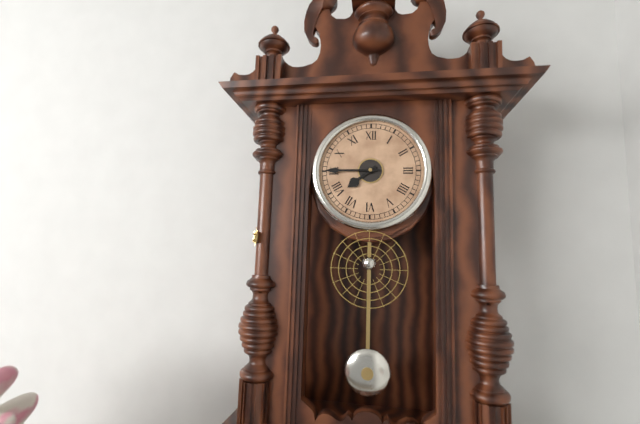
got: h=7 m=45
